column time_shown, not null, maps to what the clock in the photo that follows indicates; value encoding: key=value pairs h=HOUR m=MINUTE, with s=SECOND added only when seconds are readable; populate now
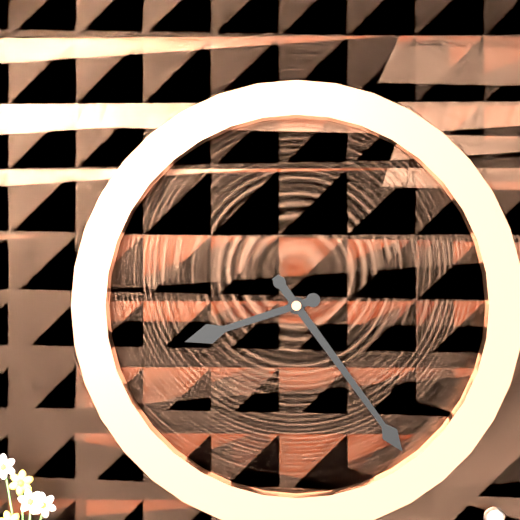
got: h=8 m=24
